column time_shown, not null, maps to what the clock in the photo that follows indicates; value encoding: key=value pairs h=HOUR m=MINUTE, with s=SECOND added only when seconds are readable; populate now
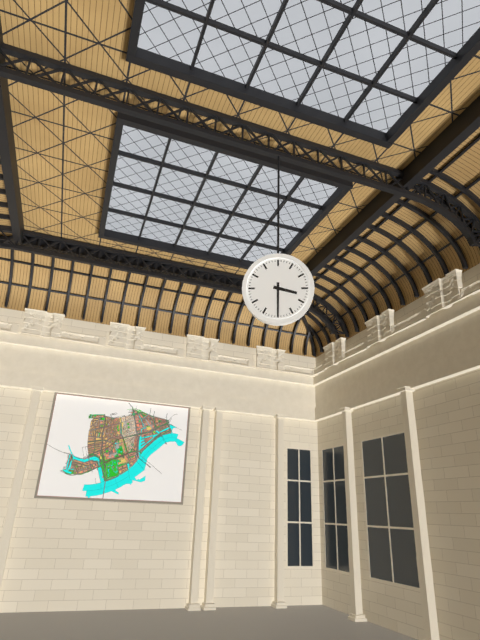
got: h=3 m=30
